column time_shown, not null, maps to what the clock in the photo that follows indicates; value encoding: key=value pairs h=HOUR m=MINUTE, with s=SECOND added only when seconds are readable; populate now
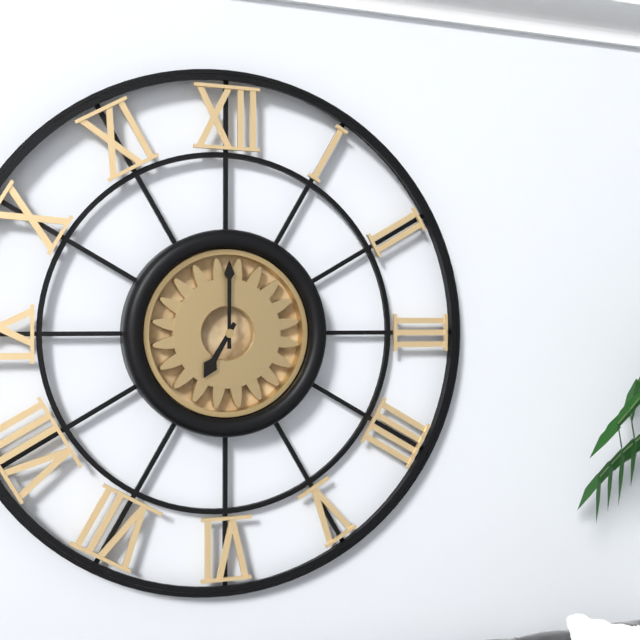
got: h=7 m=0
